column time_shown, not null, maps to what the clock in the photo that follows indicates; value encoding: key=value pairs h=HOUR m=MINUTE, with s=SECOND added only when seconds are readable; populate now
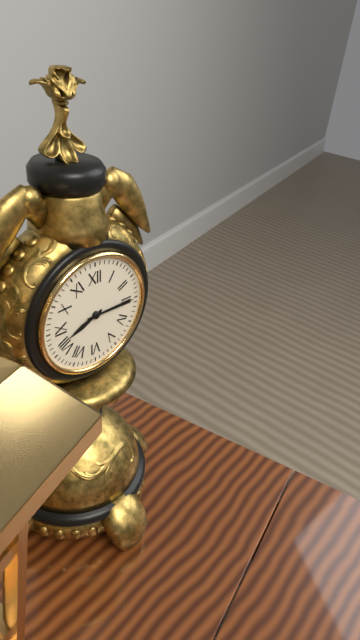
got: h=8 m=15
